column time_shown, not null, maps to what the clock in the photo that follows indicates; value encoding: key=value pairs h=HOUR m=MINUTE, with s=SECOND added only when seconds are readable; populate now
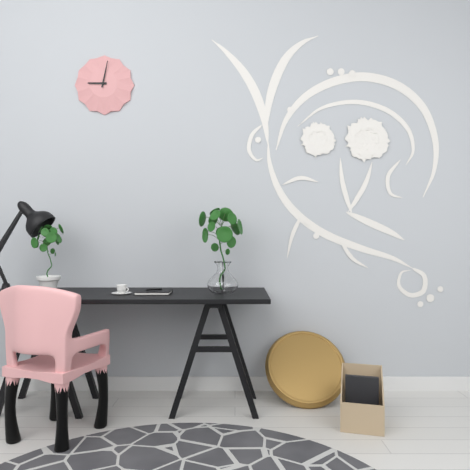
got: h=9 m=2
